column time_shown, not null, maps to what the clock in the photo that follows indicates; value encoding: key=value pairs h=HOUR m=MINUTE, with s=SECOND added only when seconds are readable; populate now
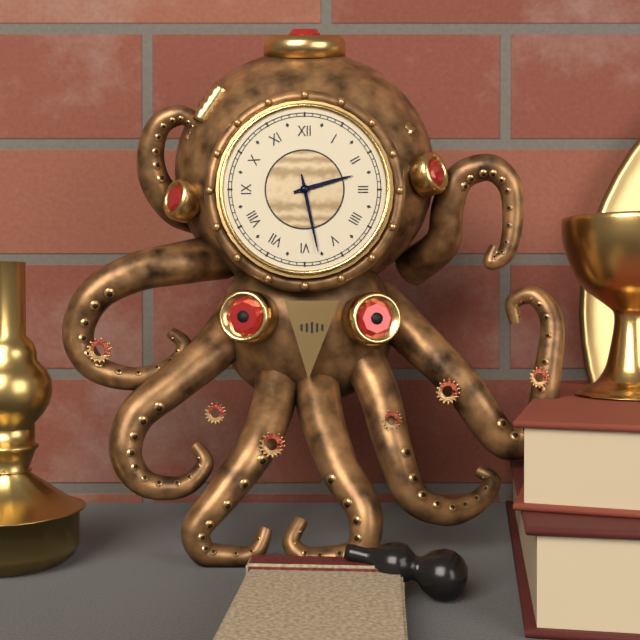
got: h=2 m=28
